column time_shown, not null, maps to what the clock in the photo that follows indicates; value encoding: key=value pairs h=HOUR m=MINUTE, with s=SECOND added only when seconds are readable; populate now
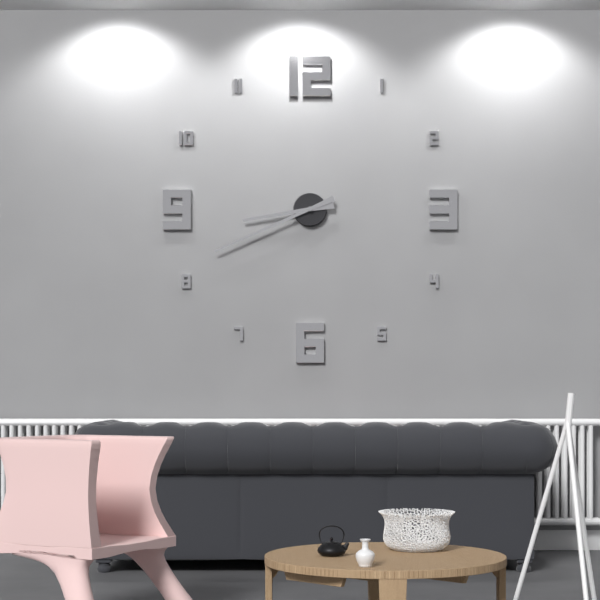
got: h=8 m=41
